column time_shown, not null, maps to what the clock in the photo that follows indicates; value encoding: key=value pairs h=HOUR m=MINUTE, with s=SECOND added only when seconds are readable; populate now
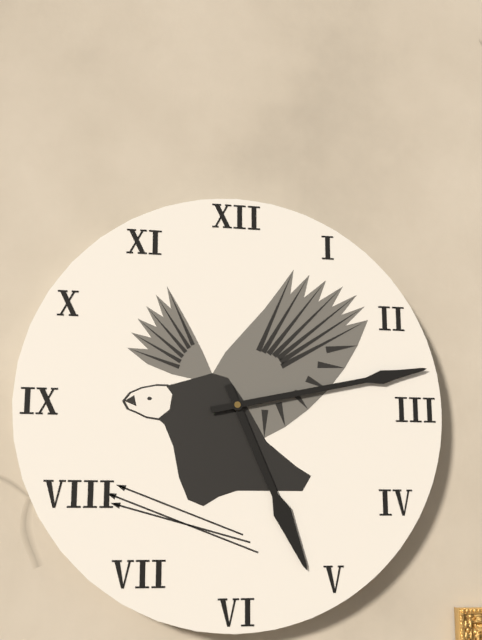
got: h=5 m=13
